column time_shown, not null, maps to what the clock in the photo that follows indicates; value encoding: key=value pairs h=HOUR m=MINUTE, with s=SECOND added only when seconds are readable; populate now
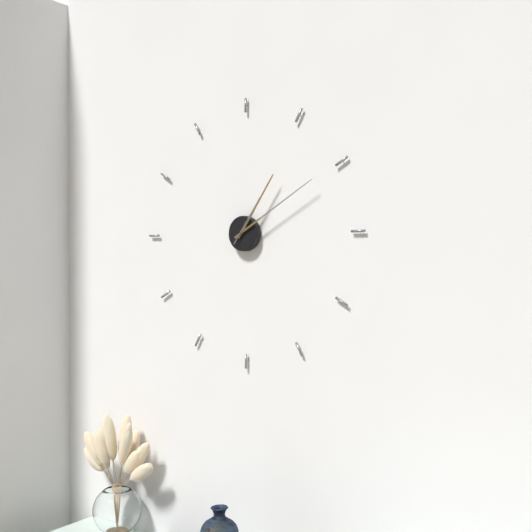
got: h=1 m=10 s=6
